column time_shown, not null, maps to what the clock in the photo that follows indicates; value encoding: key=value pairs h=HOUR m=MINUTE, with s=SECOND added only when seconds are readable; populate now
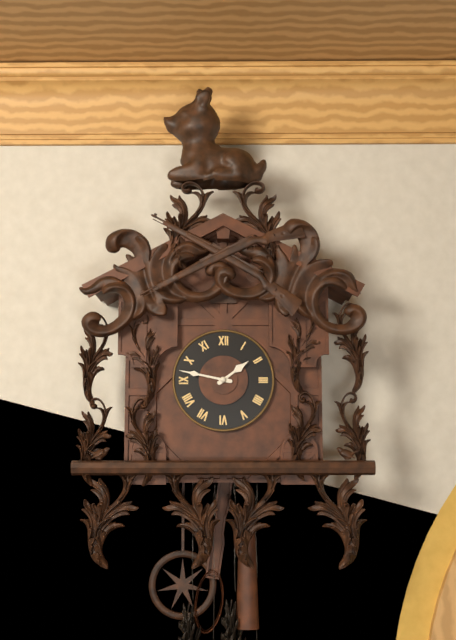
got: h=1 m=47
